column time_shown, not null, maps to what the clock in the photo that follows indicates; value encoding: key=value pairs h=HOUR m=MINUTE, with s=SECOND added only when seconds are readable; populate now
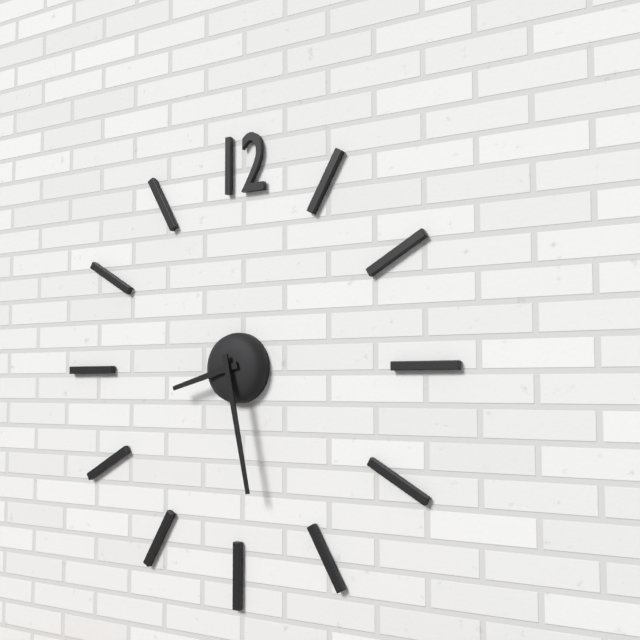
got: h=8 m=28
